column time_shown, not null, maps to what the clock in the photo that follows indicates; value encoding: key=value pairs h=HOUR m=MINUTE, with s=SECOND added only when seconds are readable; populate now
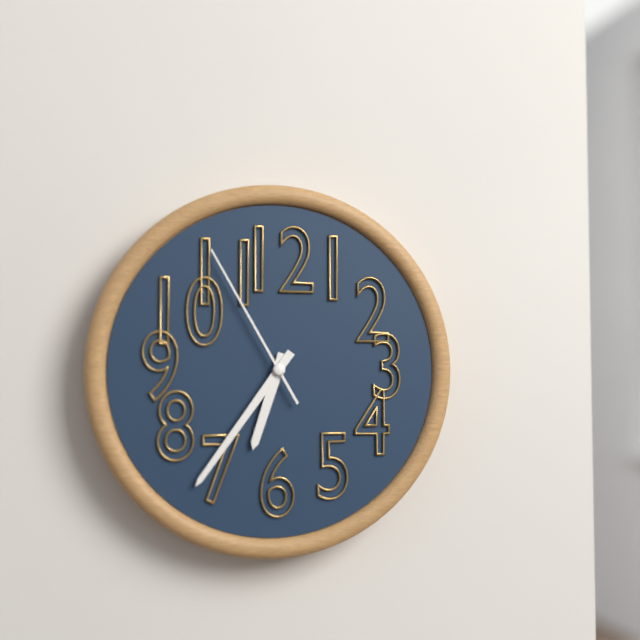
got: h=6 m=36 s=55
